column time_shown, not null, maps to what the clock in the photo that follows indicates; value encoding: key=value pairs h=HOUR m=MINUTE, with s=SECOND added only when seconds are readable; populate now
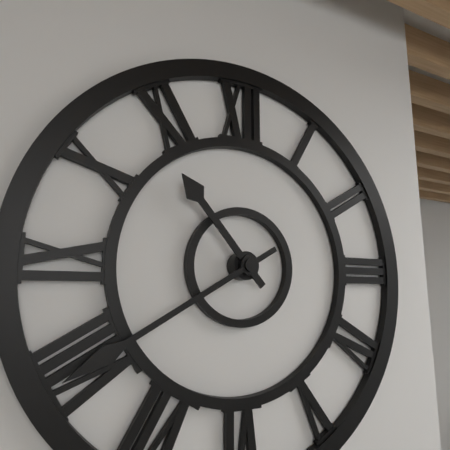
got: h=10 m=40
